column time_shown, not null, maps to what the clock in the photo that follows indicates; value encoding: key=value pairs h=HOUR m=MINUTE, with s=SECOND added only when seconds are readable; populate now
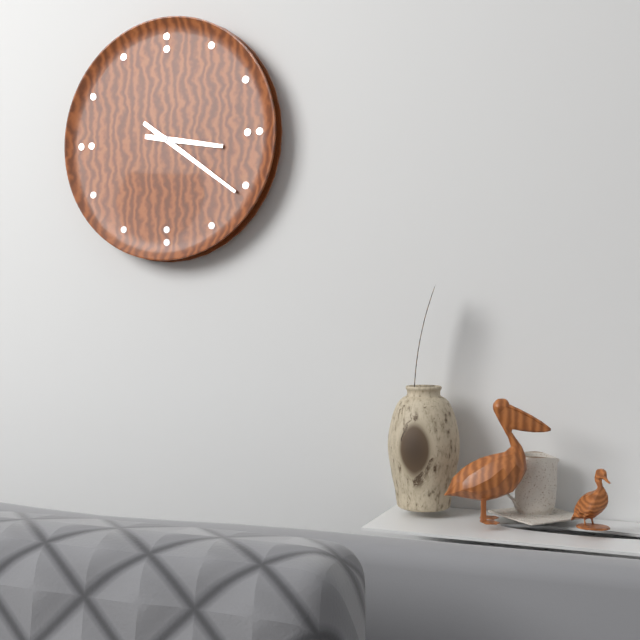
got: h=3 m=21
